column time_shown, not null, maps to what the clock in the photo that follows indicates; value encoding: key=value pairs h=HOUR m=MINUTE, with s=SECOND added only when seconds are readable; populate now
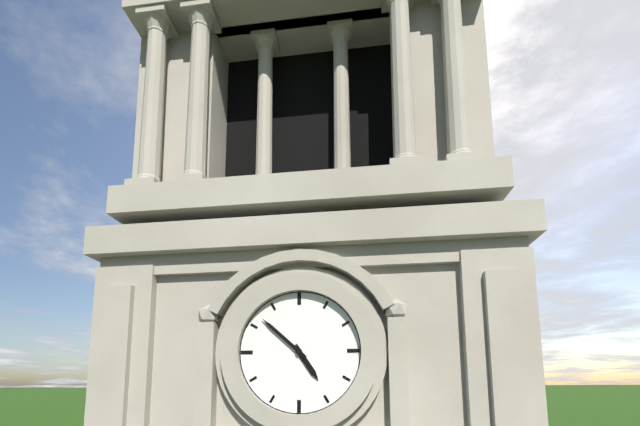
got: h=4 m=52
